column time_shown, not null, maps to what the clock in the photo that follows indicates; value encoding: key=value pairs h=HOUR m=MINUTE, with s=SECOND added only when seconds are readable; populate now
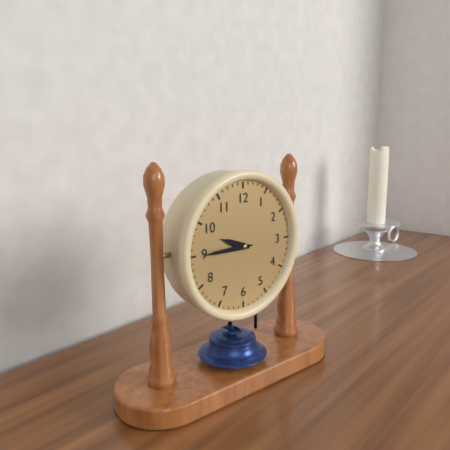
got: h=9 m=45
